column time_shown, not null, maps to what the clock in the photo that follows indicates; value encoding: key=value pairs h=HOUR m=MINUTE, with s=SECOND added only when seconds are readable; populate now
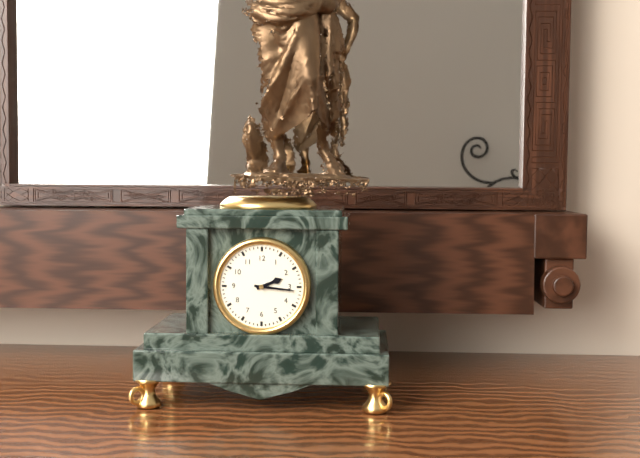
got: h=2 m=16
